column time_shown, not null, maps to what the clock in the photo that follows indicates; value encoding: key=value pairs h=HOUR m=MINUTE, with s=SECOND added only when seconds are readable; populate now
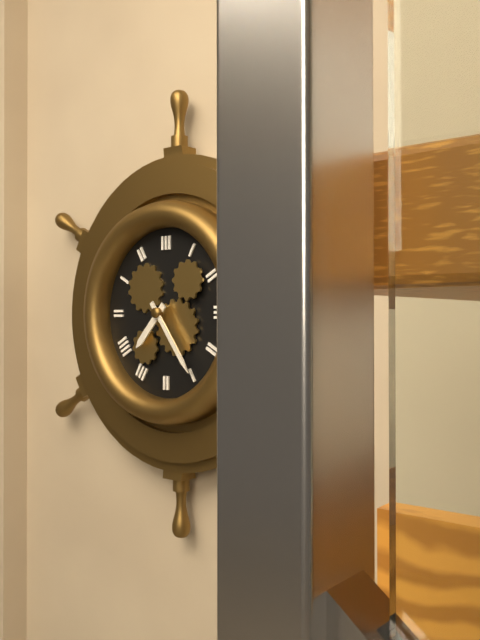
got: h=7 m=24
